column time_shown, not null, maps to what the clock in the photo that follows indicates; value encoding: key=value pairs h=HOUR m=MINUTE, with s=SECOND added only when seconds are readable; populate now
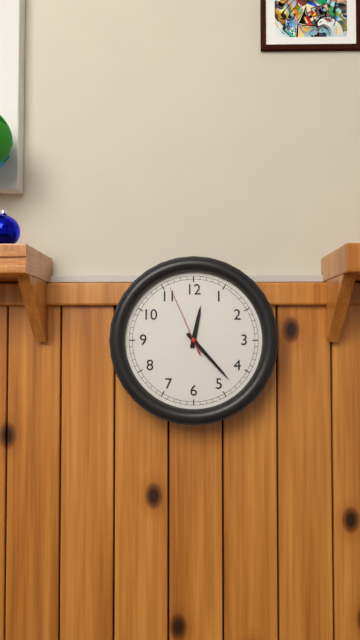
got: h=12 m=23 s=56
